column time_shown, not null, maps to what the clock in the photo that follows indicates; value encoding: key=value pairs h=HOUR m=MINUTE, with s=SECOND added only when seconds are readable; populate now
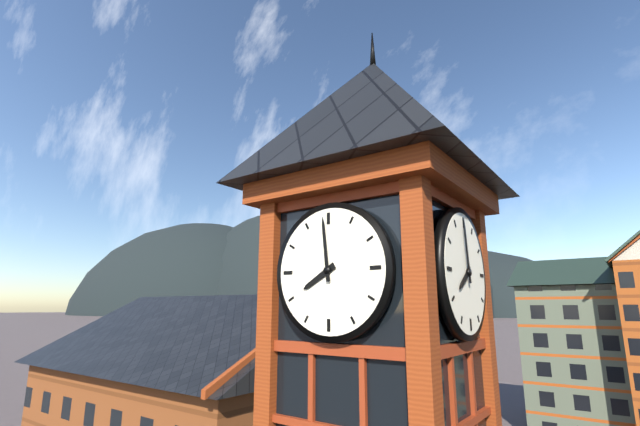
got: h=7 m=59
